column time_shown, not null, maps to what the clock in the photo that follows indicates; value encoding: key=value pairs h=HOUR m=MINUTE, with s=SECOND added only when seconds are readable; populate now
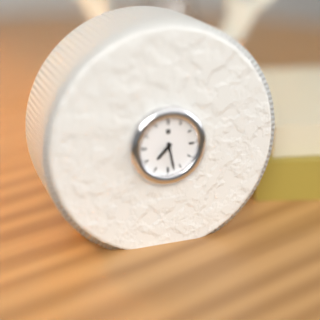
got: h=7 m=28
